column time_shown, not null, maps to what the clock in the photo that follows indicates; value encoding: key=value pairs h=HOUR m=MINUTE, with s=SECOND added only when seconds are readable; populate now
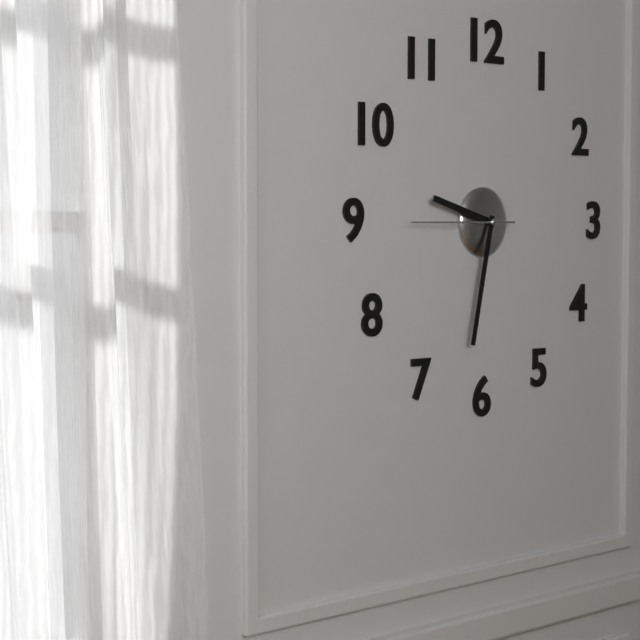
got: h=9 m=32 s=45
